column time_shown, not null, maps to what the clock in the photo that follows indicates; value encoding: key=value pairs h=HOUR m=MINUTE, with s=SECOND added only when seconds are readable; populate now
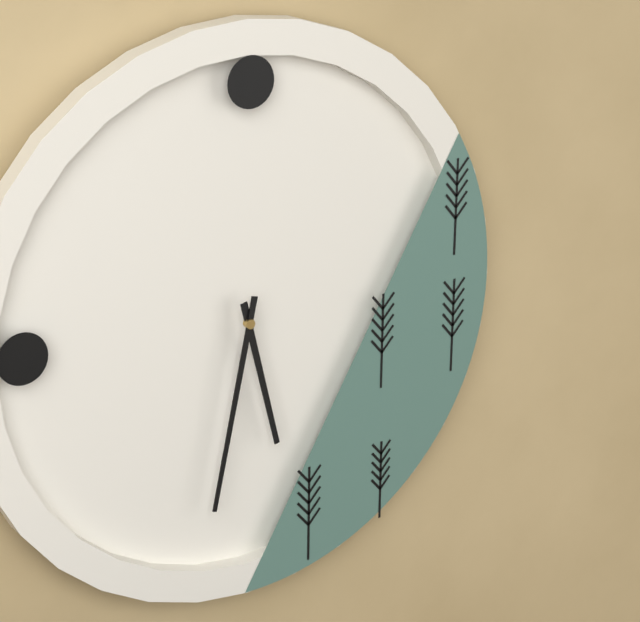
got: h=5 m=32
